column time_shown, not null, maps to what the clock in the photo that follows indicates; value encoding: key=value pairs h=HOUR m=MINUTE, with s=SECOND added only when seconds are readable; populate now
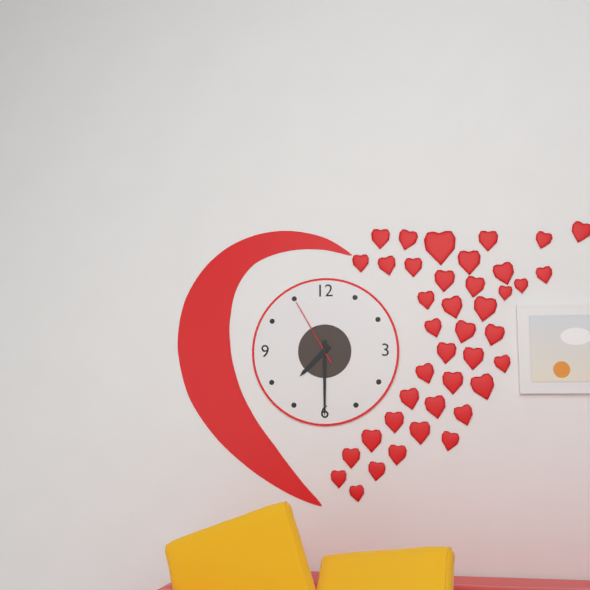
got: h=7 m=30 s=55
